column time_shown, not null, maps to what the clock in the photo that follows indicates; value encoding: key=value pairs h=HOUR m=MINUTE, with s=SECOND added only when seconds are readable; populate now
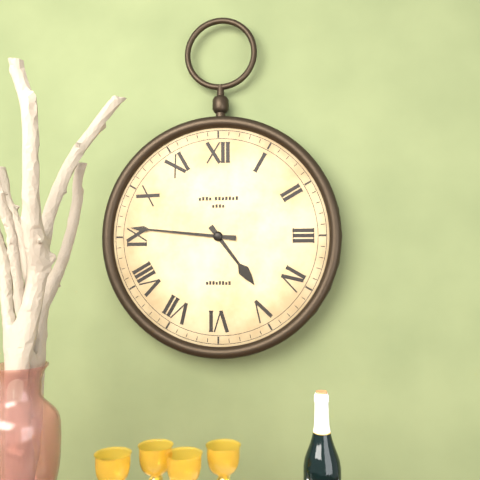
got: h=4 m=46
